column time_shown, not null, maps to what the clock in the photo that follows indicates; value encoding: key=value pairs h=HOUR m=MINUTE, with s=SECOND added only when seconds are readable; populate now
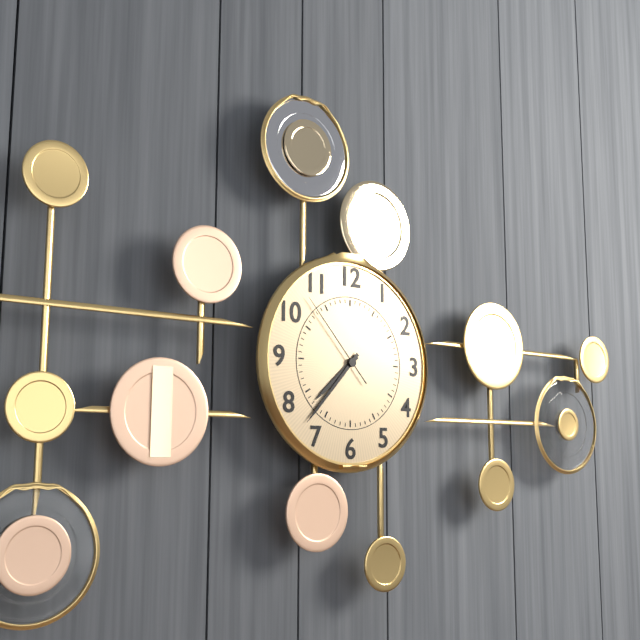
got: h=7 m=37 s=53
